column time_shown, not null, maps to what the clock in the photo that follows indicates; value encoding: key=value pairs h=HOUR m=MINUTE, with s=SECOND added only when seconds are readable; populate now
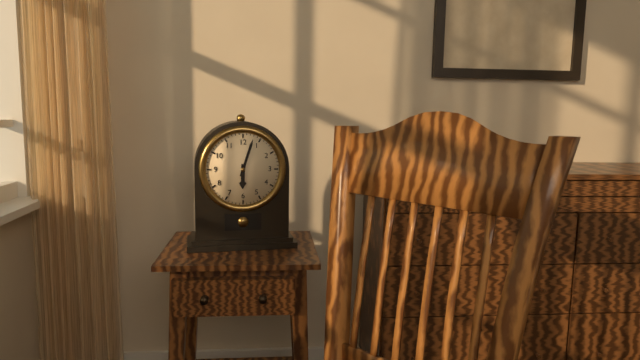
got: h=6 m=3
